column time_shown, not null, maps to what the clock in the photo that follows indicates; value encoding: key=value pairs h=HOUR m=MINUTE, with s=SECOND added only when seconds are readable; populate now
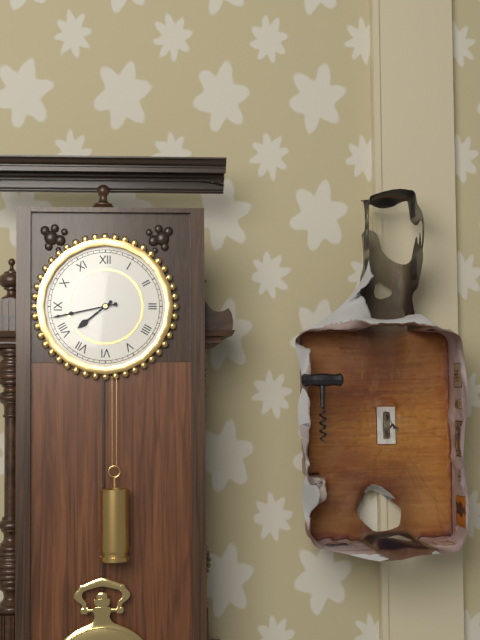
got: h=7 m=43
